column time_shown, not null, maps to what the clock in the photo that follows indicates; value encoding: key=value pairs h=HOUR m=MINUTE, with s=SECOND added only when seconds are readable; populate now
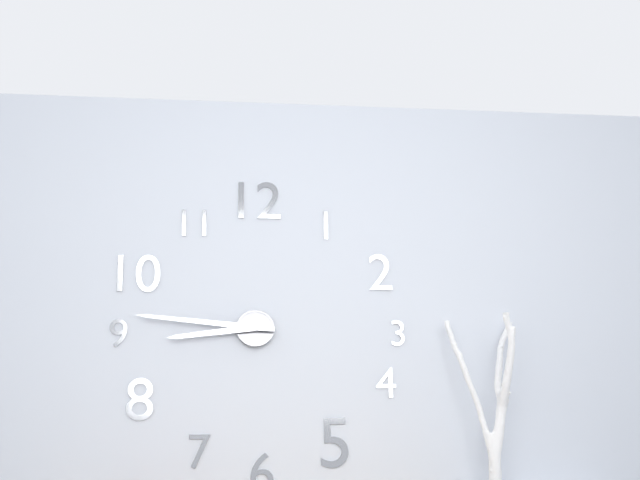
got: h=8 m=46
